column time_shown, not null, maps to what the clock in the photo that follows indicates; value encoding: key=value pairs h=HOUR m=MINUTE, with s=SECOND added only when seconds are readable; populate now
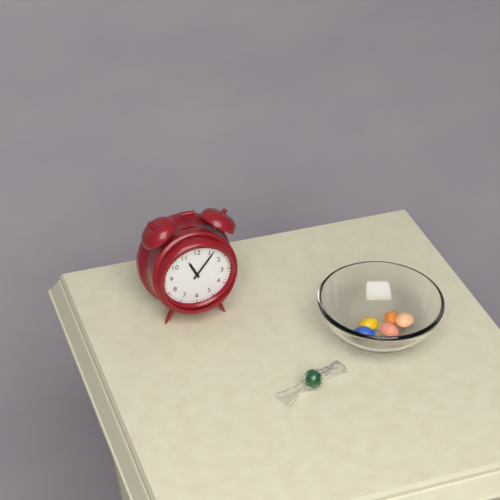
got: h=11 m=6
